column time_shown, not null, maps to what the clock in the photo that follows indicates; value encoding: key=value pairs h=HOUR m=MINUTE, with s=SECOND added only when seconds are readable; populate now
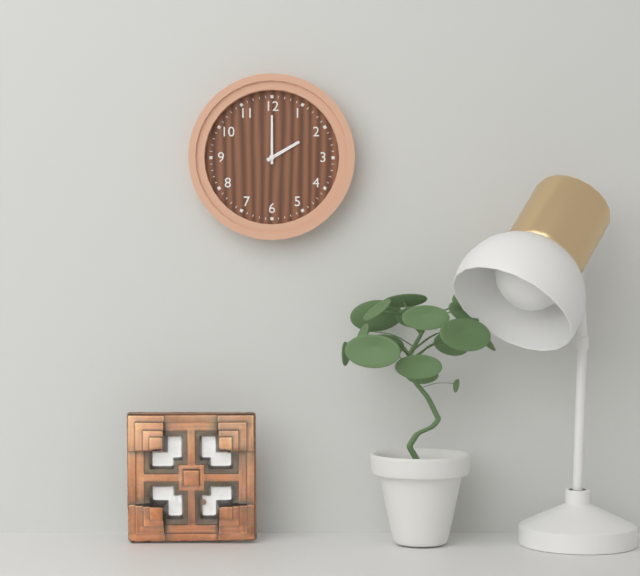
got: h=2 m=0
